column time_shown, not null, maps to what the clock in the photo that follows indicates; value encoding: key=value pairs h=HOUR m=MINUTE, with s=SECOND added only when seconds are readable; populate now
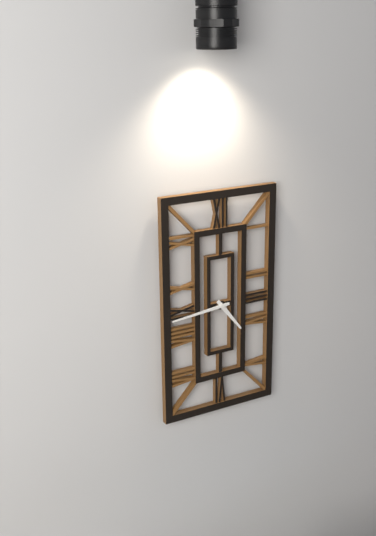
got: h=4 m=44
